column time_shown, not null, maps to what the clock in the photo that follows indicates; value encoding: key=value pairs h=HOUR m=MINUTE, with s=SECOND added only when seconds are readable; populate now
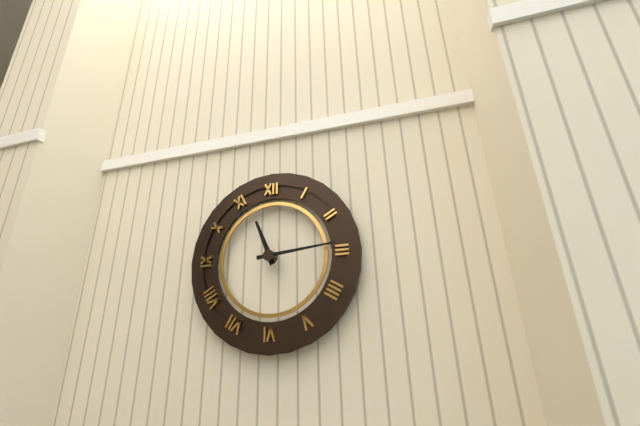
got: h=11 m=14
